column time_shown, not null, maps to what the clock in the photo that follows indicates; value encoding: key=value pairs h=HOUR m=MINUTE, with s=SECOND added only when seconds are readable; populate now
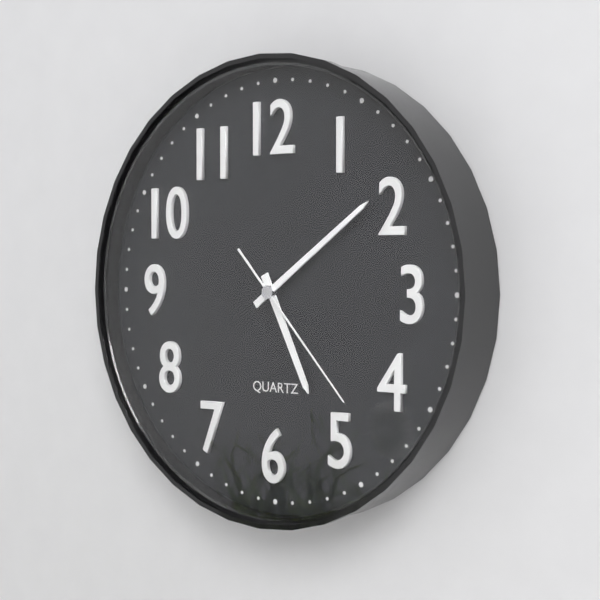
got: h=5 m=9 s=23
